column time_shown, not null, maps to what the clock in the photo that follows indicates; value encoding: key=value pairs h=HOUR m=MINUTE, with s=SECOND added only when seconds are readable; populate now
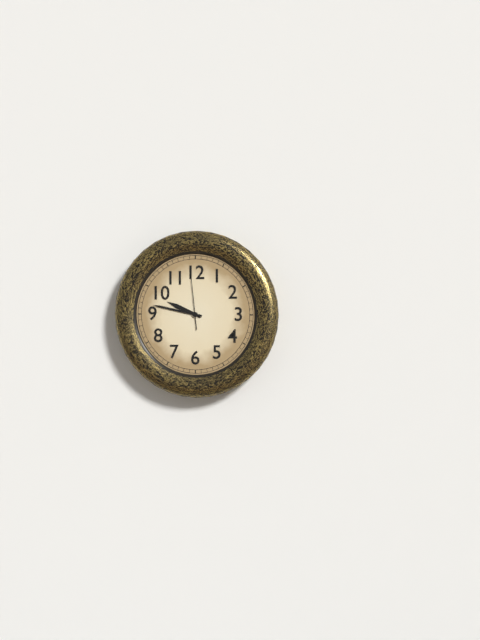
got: h=9 m=47 s=59
